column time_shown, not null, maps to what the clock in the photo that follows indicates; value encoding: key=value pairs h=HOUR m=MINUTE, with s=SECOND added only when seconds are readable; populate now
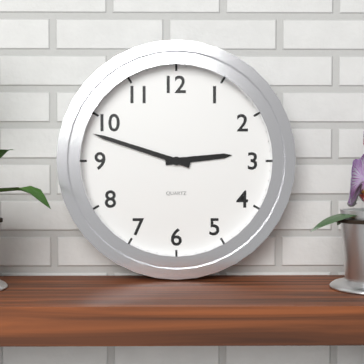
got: h=2 m=48
